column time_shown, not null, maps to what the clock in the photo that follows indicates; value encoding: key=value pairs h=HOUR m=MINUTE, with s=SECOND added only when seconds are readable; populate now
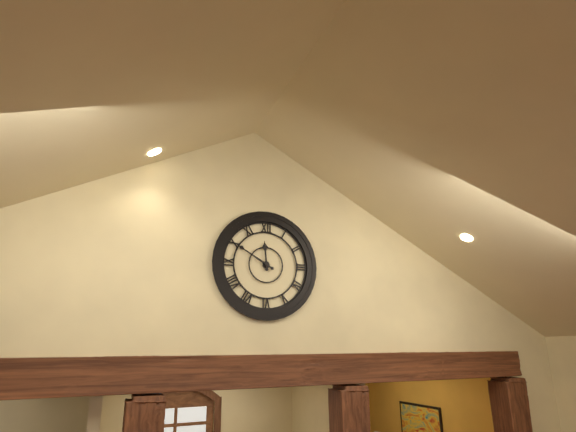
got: h=11 m=50
